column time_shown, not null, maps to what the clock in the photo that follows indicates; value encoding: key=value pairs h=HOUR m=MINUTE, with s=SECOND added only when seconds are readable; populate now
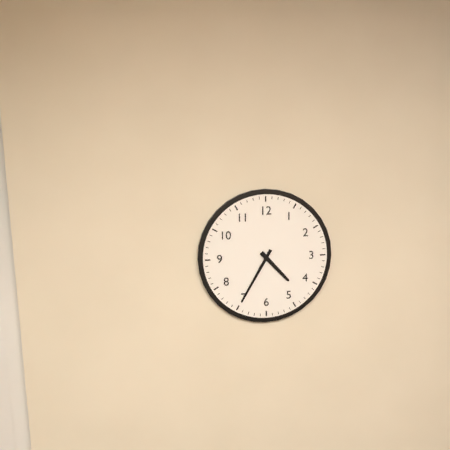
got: h=4 m=35
